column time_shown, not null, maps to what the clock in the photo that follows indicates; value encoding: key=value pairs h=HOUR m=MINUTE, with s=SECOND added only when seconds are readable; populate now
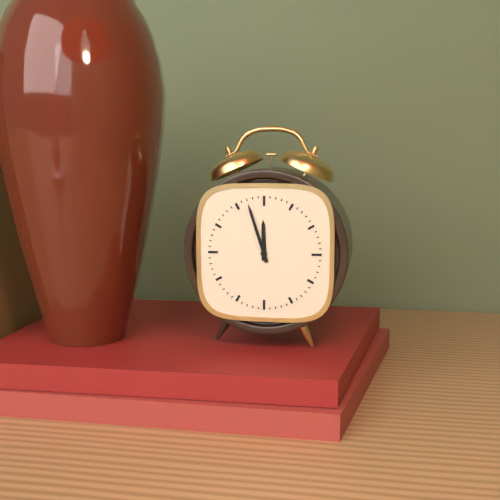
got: h=11 m=57
